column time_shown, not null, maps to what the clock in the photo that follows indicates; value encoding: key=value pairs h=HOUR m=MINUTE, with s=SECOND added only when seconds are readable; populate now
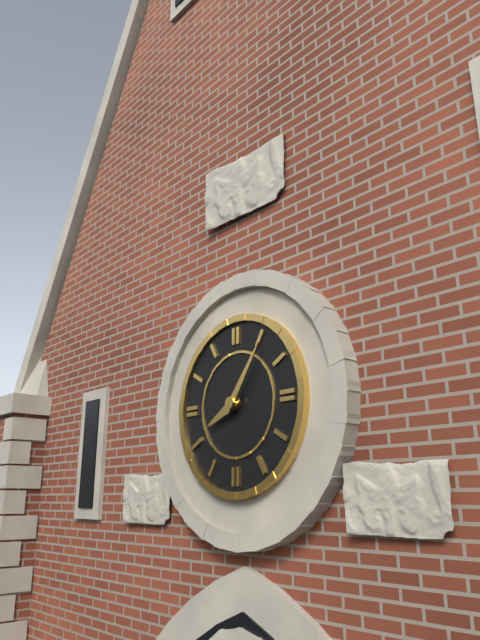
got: h=8 m=6
